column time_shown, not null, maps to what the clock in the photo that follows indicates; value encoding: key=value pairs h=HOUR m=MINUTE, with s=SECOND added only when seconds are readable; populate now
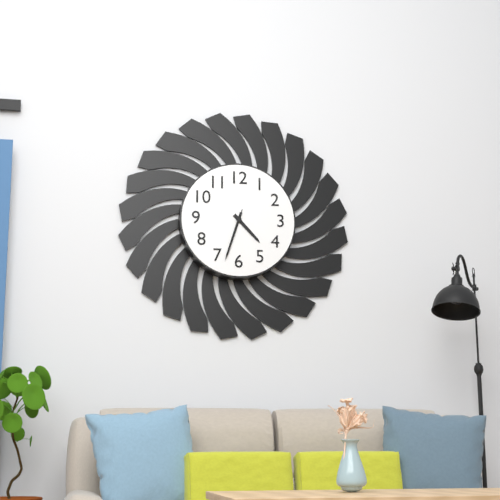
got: h=4 m=33
